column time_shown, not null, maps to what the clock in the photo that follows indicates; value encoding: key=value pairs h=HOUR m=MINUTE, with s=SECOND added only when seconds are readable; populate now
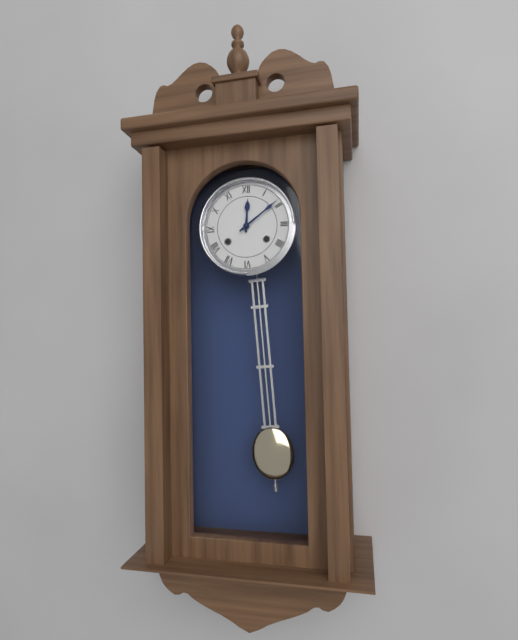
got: h=12 m=9
